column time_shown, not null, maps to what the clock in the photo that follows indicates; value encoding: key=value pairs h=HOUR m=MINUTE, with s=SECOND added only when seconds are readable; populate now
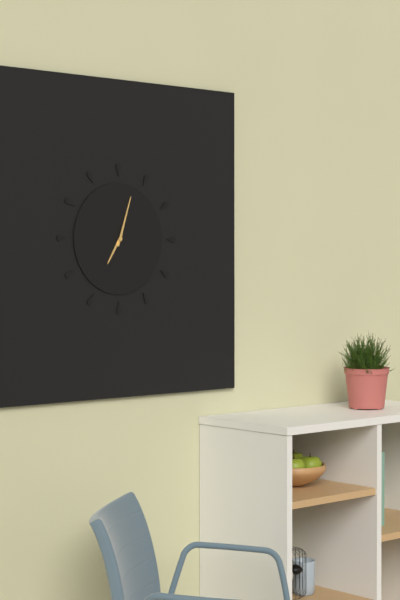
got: h=7 m=3
